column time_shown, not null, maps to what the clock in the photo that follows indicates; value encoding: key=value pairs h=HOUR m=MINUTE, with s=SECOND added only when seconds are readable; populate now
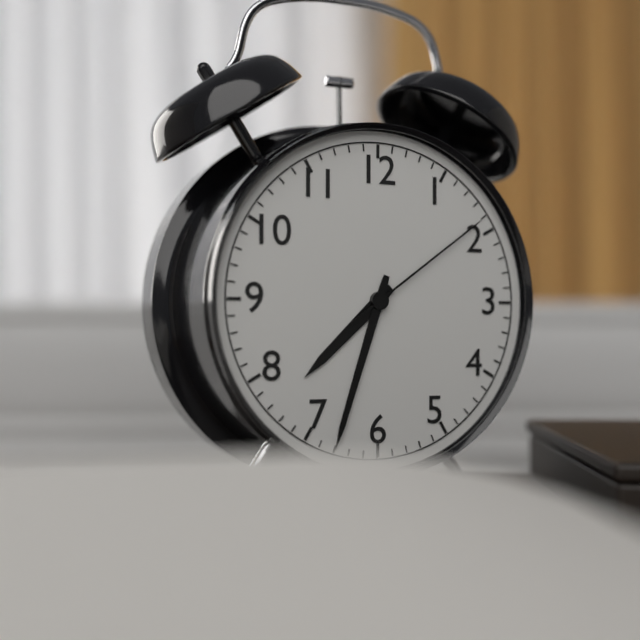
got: h=7 m=33 s=9
